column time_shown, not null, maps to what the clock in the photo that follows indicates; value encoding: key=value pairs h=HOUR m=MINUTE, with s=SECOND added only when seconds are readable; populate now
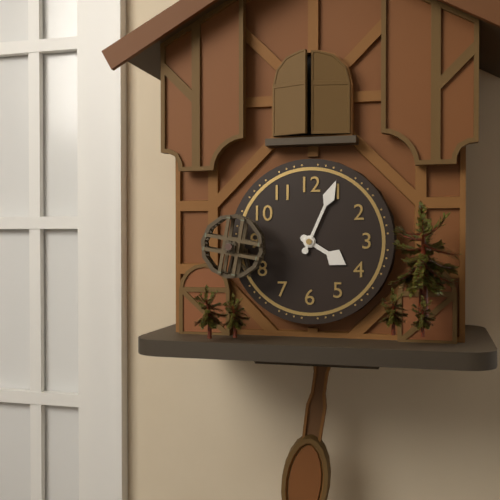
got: h=4 m=4
